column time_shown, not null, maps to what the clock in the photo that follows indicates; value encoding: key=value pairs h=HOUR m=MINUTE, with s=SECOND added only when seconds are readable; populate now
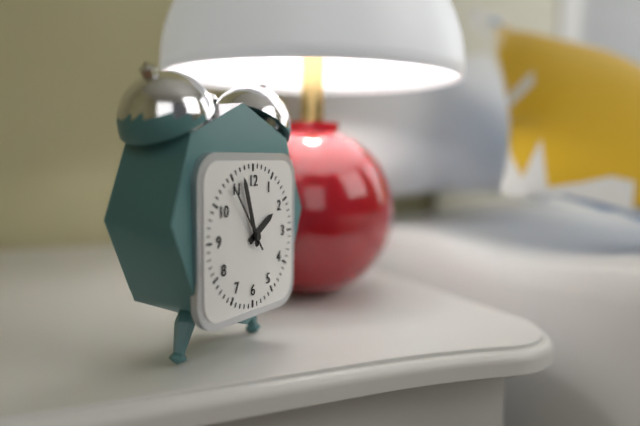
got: h=1 m=57 s=54
